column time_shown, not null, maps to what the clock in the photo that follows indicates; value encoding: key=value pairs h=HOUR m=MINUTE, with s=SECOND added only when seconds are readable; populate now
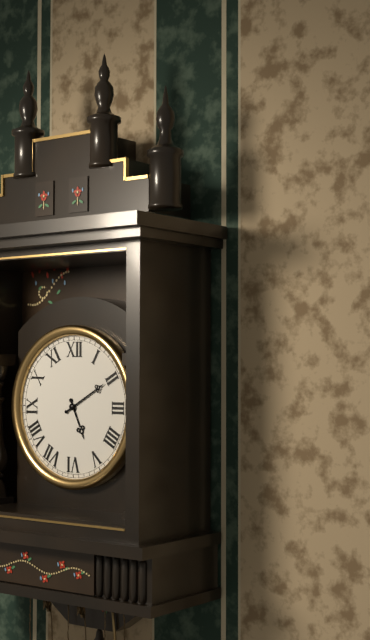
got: h=5 m=10
